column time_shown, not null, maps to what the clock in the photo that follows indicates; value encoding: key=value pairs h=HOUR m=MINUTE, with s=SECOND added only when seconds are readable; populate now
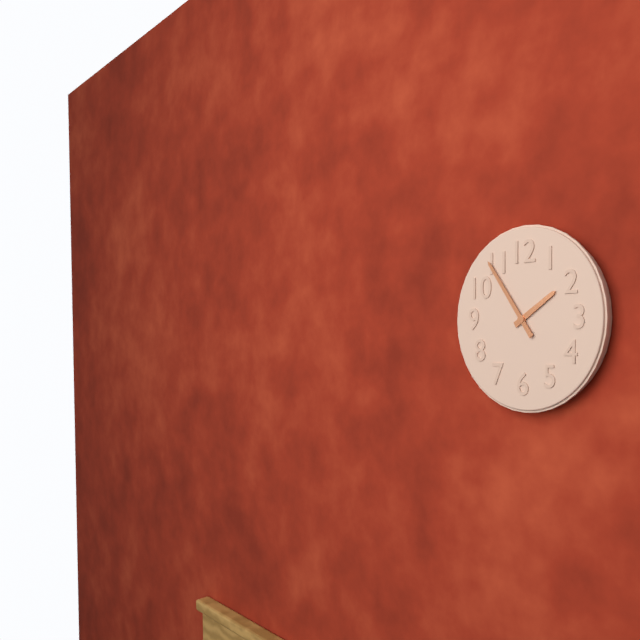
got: h=1 m=54
